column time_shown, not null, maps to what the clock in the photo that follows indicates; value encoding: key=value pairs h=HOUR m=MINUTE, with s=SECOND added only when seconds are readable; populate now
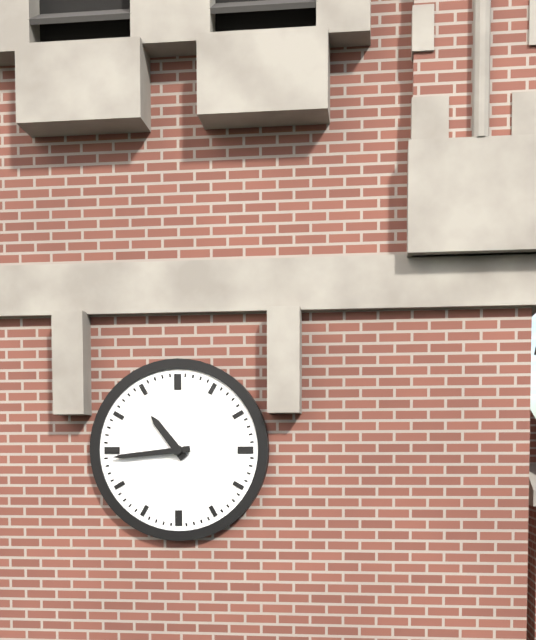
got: h=10 m=44
